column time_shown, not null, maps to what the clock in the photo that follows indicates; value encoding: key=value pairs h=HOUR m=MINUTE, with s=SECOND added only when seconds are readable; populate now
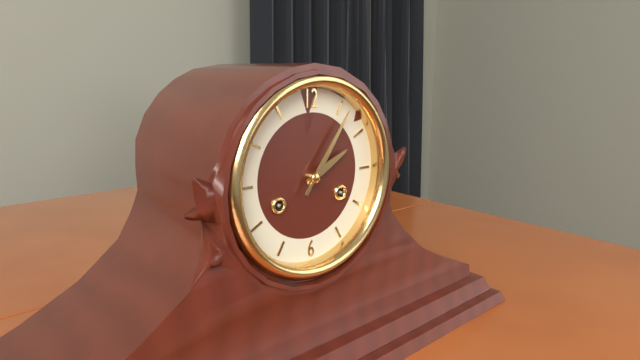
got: h=2 m=6
